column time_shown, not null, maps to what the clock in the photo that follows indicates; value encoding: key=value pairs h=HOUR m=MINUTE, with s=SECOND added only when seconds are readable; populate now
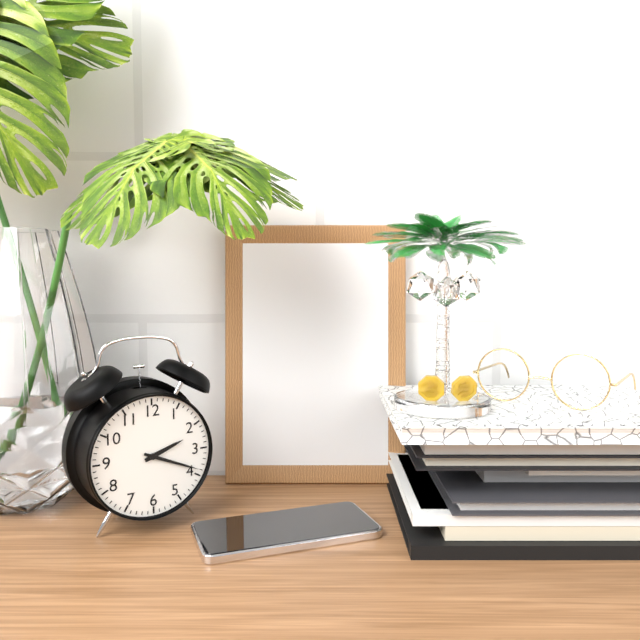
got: h=2 m=19
